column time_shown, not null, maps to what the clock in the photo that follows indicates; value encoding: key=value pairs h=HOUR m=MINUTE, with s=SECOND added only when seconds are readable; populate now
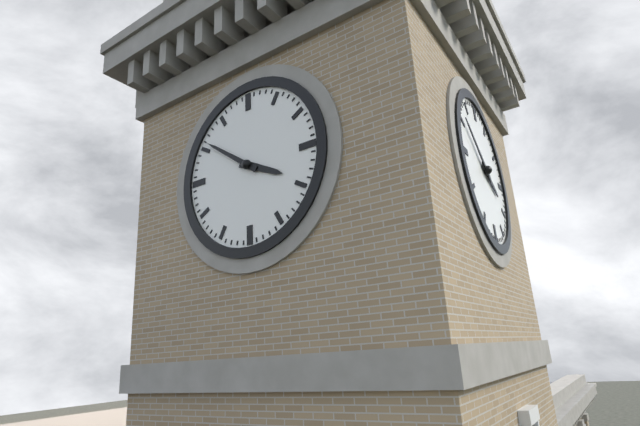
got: h=3 m=51
